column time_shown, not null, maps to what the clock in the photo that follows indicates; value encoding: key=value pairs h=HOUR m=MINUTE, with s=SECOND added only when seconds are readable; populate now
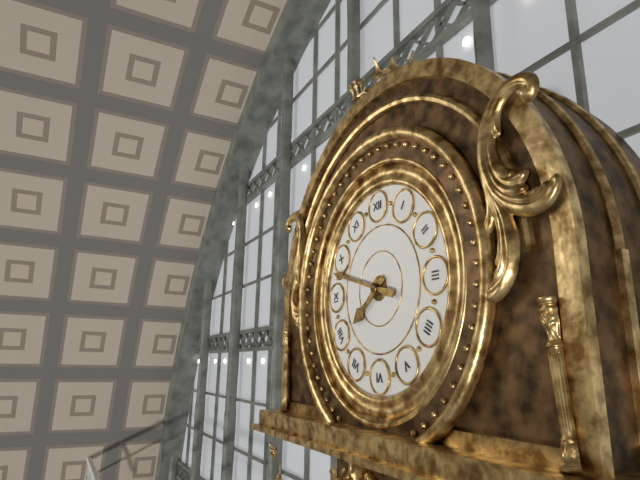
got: h=7 m=48
